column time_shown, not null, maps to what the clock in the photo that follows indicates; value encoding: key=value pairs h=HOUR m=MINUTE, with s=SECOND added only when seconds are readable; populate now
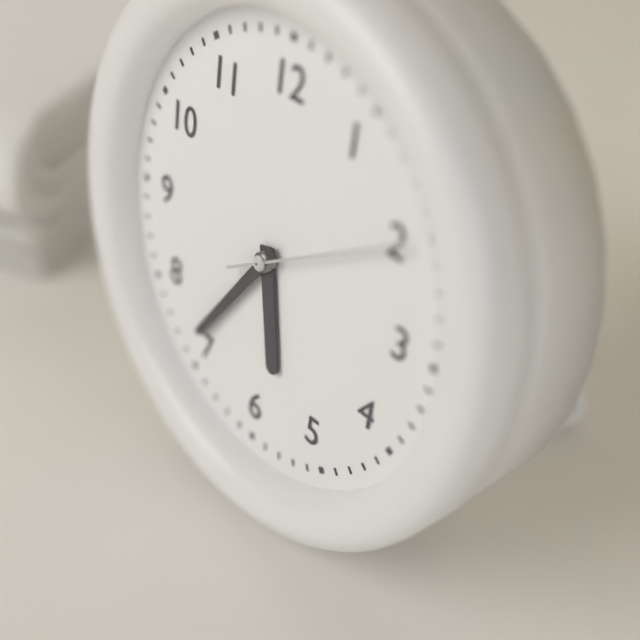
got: h=5 m=36 s=10
